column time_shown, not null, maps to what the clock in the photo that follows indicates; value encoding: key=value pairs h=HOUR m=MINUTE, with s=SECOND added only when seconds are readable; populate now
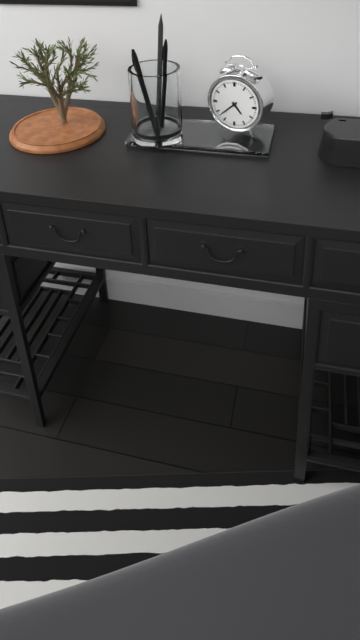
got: h=4 m=38
